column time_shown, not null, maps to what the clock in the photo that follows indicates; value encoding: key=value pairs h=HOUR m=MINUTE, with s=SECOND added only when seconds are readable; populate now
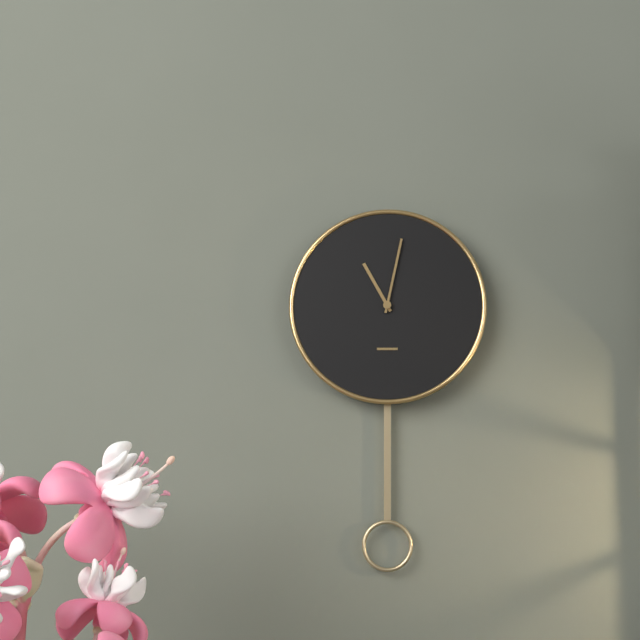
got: h=11 m=2
